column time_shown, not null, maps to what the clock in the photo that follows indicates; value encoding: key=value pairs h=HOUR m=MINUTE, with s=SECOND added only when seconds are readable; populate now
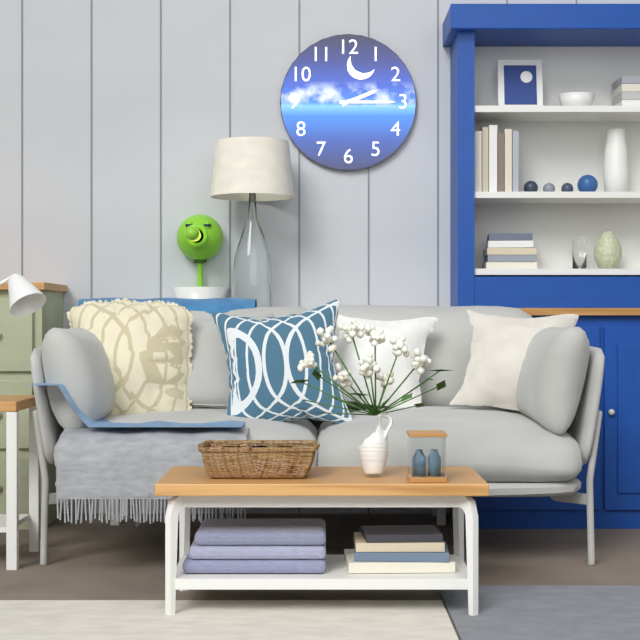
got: h=2 m=15
